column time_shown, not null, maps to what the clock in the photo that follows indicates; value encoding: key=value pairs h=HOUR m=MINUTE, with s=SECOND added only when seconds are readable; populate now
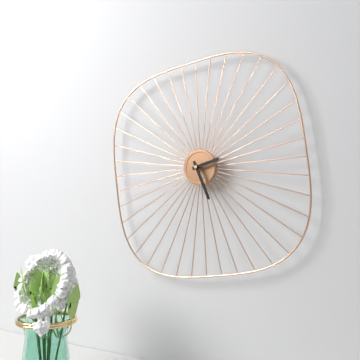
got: h=2 m=26
